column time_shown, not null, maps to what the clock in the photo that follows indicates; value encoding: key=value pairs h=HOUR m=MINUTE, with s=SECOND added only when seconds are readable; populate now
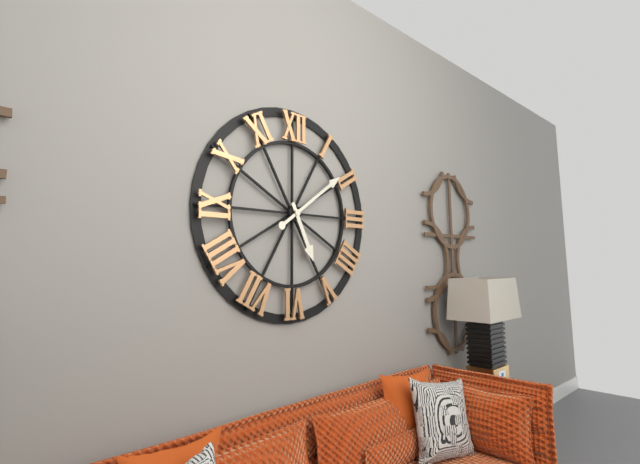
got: h=5 m=9
